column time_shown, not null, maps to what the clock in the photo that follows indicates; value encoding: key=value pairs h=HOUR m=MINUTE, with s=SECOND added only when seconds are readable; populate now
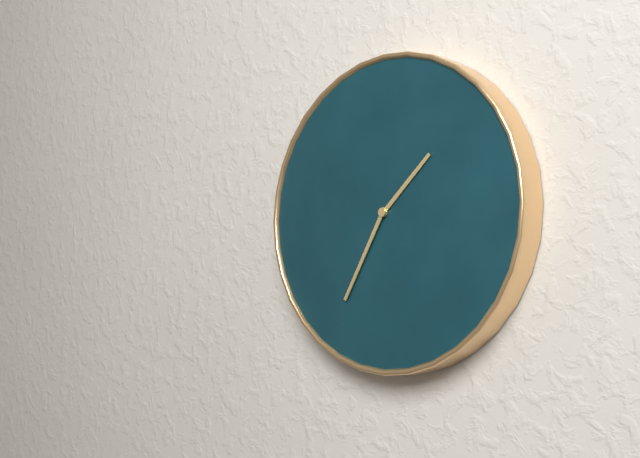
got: h=1 m=35
